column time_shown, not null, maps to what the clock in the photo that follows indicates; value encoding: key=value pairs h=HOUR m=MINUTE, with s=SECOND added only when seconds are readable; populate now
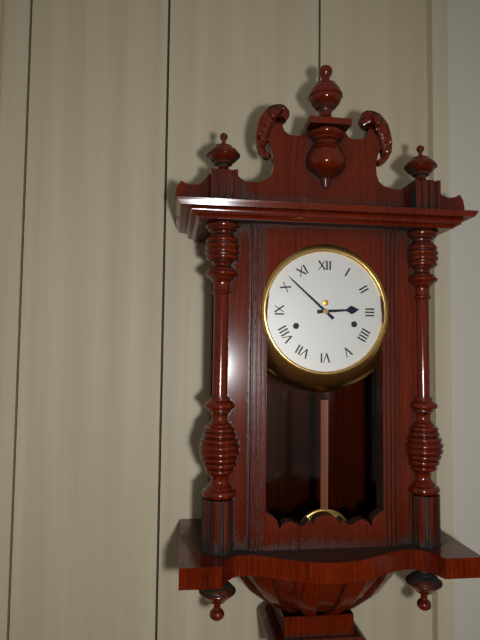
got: h=2 m=52
